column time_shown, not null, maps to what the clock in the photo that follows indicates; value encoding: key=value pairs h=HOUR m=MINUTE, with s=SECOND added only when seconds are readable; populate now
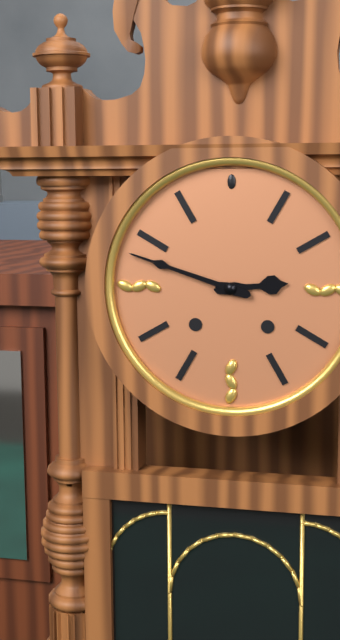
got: h=2 m=48
